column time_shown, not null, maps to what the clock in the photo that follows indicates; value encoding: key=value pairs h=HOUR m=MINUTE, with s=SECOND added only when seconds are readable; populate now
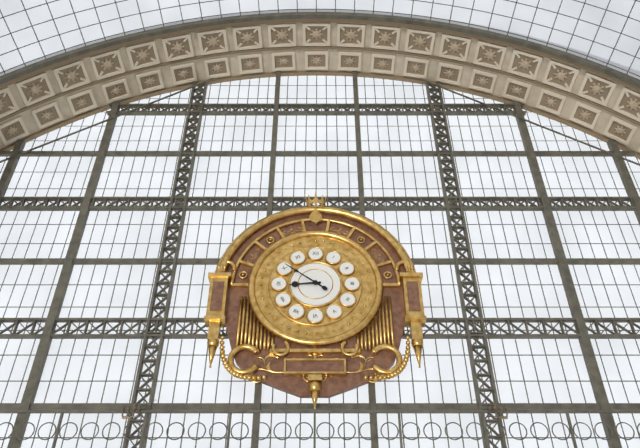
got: h=8 m=51
